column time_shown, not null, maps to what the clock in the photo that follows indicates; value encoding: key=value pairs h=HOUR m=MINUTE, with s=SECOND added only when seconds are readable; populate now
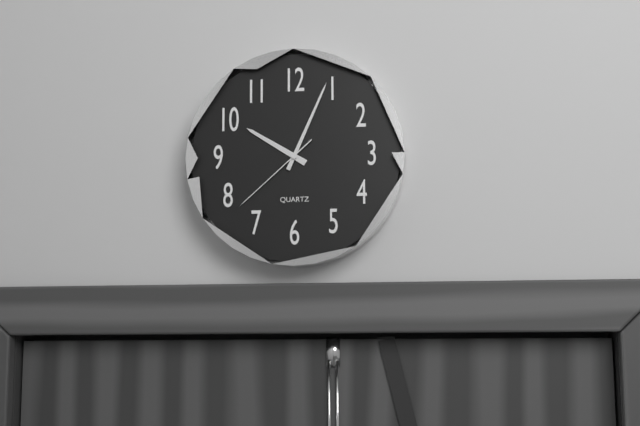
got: h=10 m=4 s=38
